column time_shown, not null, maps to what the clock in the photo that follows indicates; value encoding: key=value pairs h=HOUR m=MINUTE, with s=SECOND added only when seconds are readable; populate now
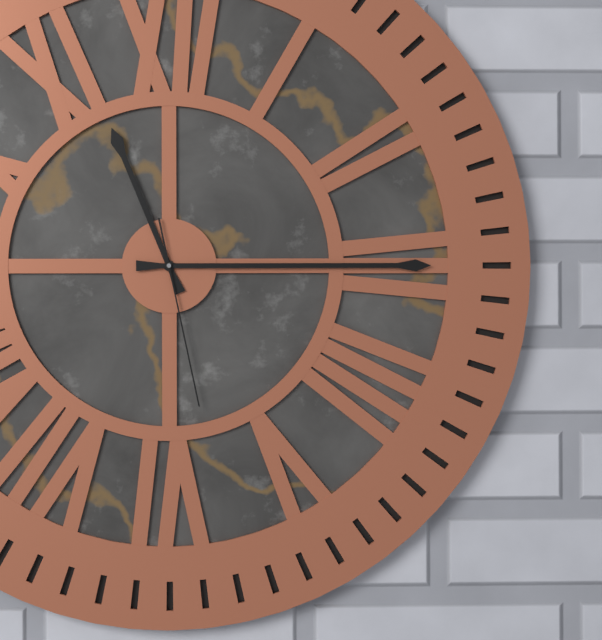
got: h=11 m=15 s=28
